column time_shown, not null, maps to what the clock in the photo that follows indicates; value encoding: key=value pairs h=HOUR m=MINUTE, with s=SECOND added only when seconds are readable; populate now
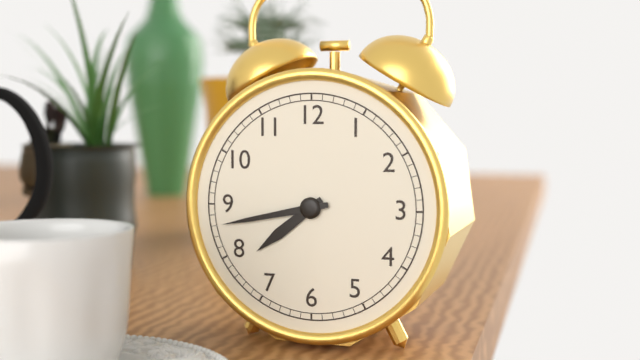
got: h=7 m=43
